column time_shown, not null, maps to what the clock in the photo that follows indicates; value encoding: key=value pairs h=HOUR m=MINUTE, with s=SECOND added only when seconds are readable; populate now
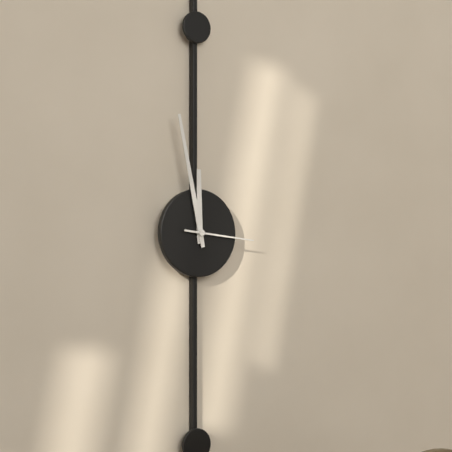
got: h=11 m=58 s=16
